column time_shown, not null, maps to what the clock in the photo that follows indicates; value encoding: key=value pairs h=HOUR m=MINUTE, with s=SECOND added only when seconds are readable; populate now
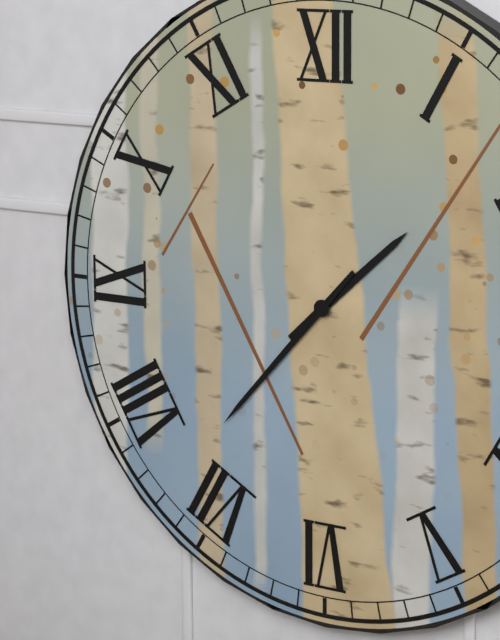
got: h=1 m=37
